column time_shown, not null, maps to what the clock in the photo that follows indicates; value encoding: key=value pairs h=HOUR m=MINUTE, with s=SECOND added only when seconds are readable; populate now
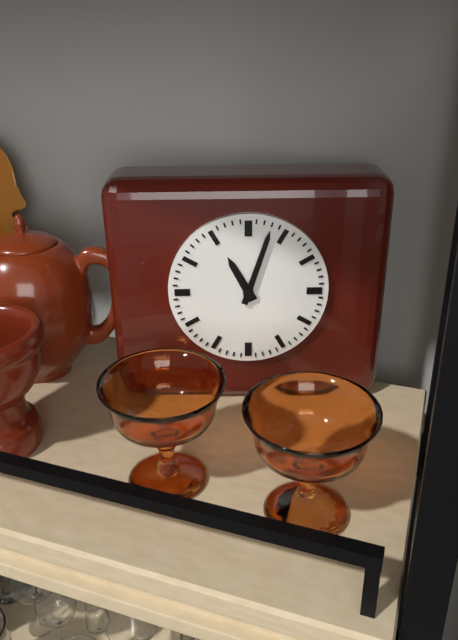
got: h=11 m=3
